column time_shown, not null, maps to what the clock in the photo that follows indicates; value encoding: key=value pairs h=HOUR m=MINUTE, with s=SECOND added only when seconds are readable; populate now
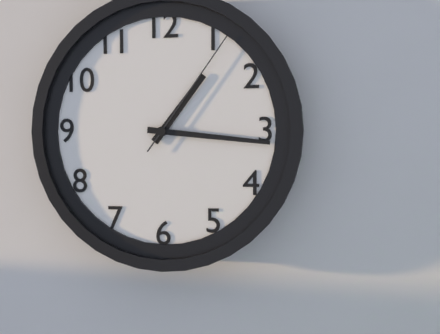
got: h=1 m=16 s=6
